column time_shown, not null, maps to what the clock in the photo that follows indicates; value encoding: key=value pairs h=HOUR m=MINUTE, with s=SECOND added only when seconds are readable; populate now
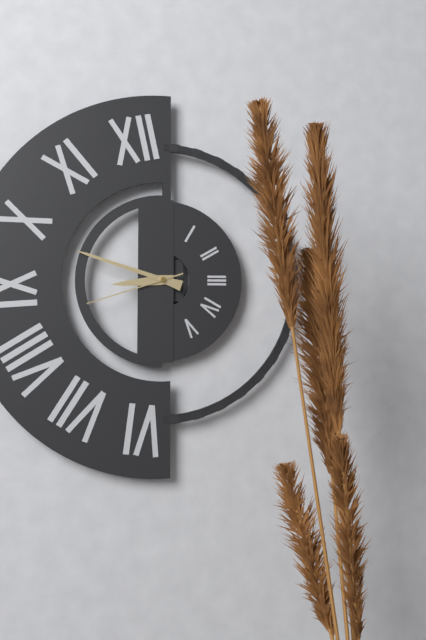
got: h=8 m=48 s=42
